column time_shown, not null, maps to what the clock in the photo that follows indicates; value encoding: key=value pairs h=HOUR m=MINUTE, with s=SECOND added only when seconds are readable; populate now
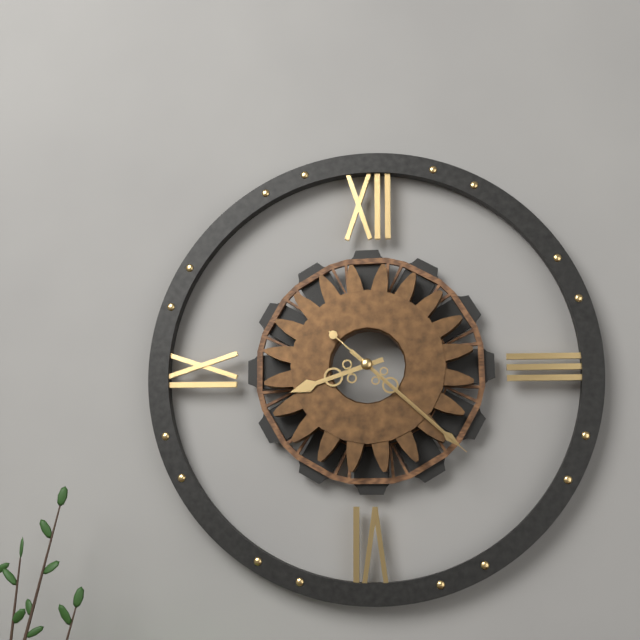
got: h=8 m=22 s=22
